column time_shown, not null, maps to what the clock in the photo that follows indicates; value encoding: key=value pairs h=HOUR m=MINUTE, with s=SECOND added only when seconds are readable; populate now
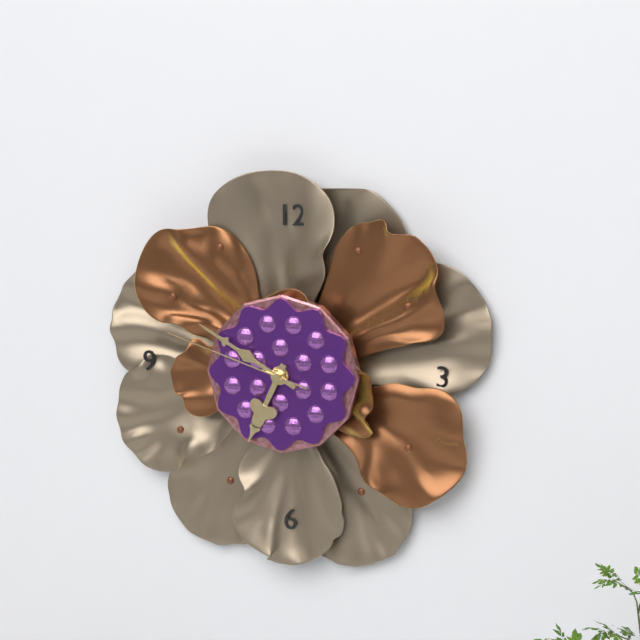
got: h=6 m=50 s=48
